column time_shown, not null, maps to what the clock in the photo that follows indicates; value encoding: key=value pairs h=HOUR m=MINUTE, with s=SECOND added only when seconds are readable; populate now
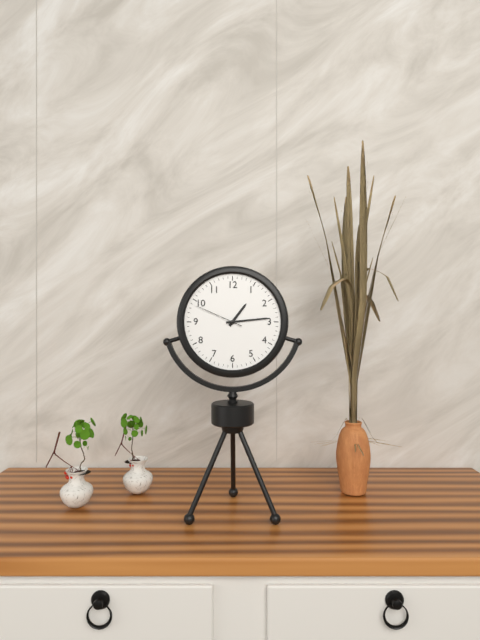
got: h=1 m=14 s=49
